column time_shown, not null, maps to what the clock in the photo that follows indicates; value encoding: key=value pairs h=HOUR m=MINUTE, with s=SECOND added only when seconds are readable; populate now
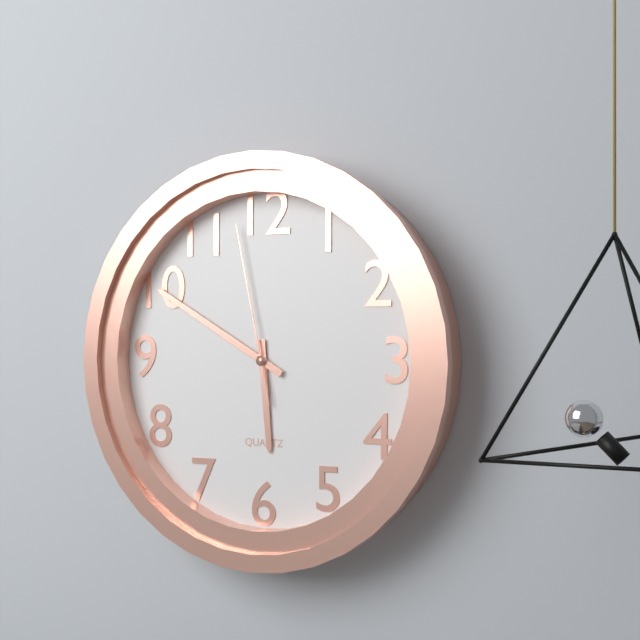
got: h=5 m=50 s=58
